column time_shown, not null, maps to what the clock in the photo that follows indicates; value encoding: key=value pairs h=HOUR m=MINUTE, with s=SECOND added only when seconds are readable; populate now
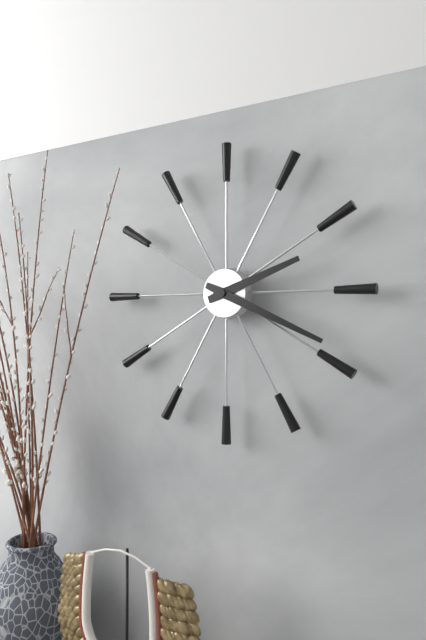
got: h=2 m=19
